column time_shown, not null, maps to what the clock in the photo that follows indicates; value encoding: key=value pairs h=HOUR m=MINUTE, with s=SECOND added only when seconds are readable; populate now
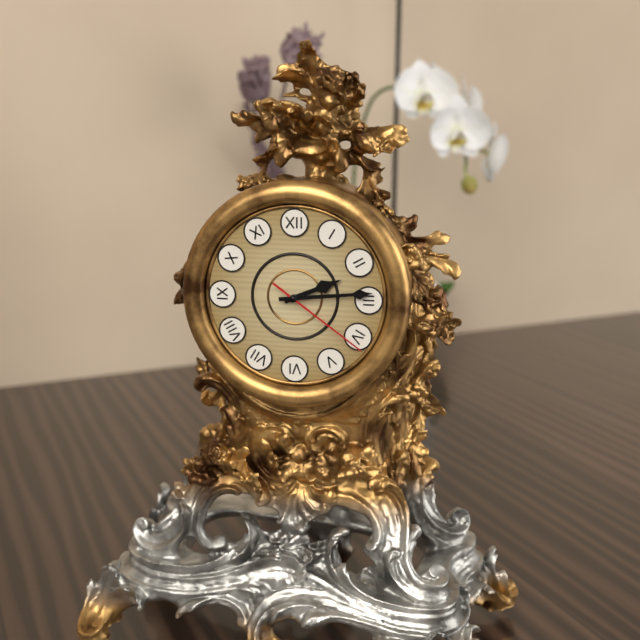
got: h=2 m=14 s=21
